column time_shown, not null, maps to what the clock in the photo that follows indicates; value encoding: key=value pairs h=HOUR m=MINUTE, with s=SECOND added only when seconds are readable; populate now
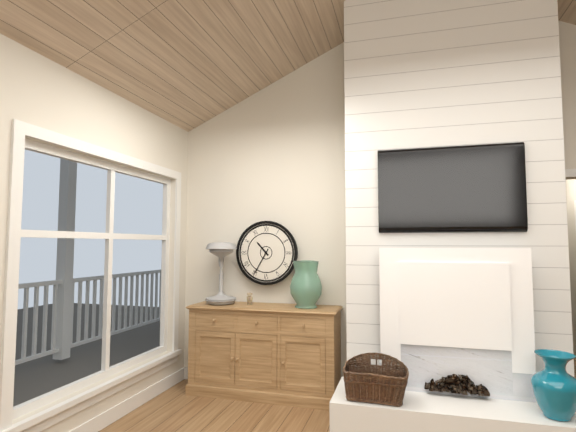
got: h=10 m=35
